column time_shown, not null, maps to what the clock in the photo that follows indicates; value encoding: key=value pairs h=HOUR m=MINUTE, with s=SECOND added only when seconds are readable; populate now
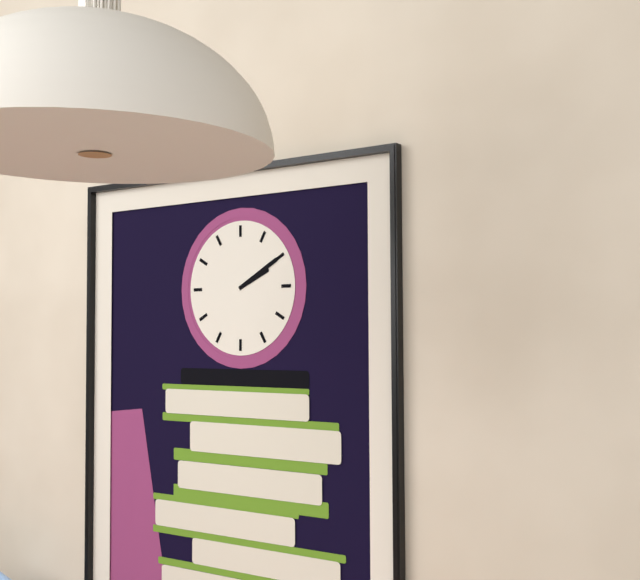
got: h=2 m=10
